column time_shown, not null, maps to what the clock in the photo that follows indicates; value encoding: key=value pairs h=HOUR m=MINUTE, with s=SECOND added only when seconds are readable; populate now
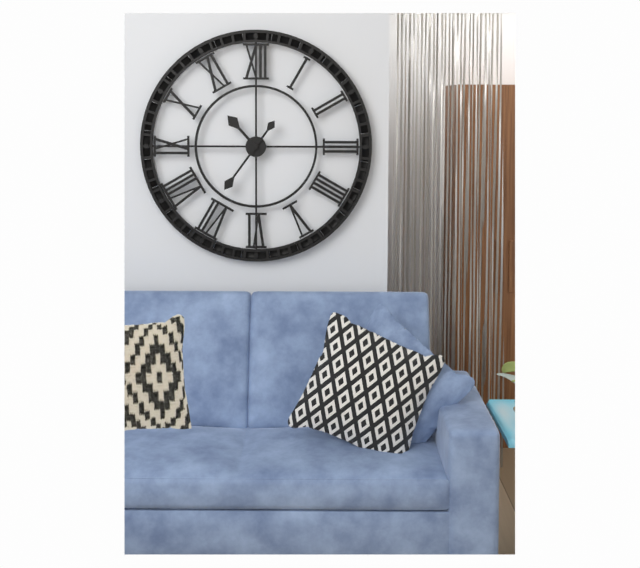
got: h=10 m=36
